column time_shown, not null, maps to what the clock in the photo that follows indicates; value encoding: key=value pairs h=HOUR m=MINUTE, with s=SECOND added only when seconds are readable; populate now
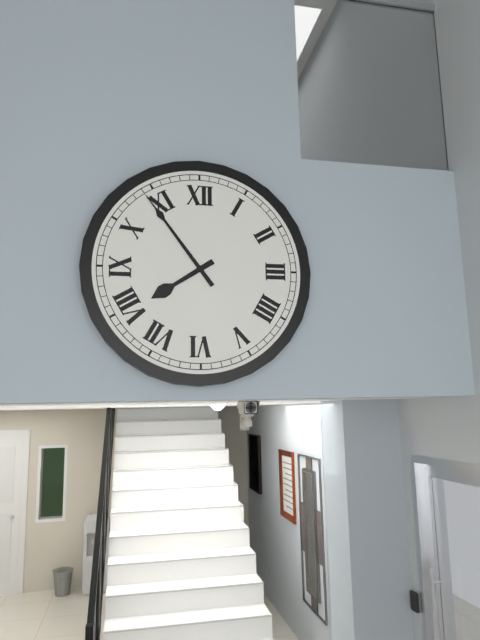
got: h=7 m=54
